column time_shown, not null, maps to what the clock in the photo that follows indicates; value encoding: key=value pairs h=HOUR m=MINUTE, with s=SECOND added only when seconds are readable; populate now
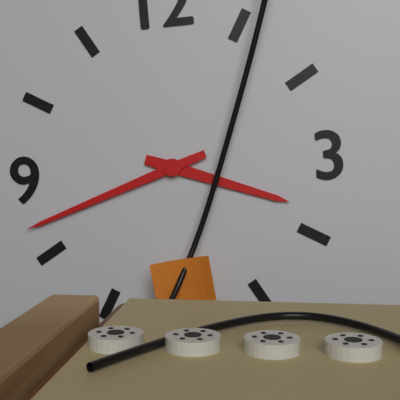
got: h=3 m=42
